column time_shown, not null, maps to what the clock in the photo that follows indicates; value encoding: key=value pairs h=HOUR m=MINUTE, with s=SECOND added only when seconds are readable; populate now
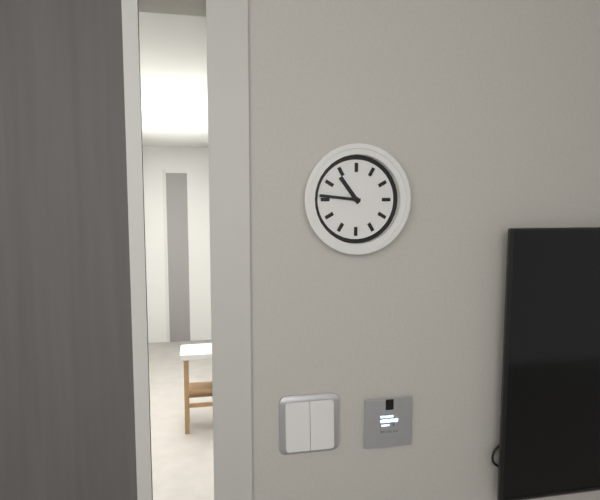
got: h=10 m=46
